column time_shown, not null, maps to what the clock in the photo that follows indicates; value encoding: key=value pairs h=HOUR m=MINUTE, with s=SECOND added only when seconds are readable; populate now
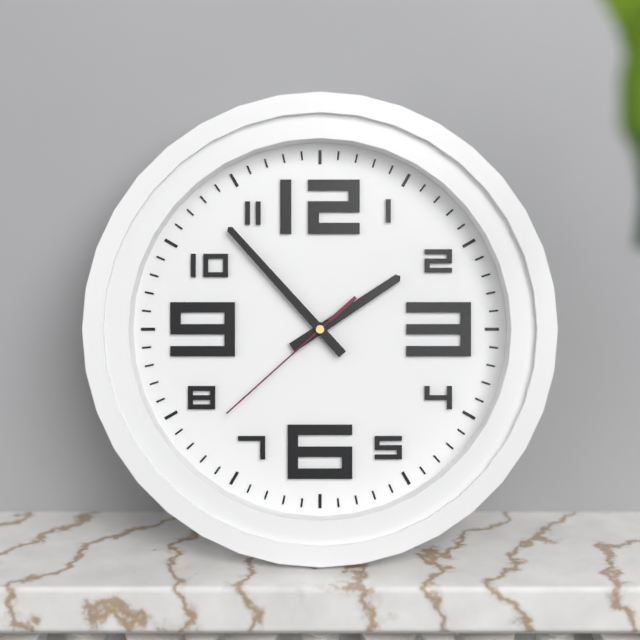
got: h=1 m=53 s=38
